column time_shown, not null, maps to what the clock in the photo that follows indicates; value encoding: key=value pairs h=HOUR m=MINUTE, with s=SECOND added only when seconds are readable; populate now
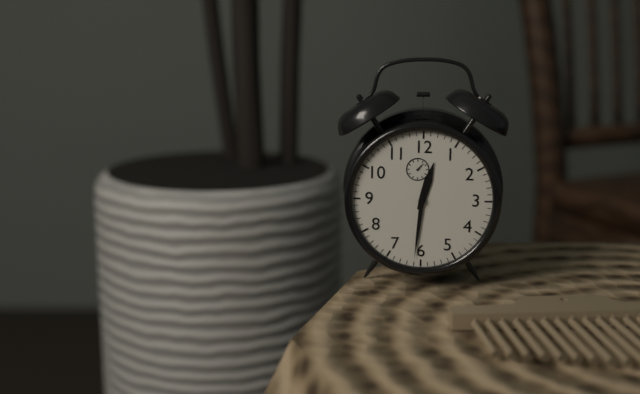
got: h=12 m=31
